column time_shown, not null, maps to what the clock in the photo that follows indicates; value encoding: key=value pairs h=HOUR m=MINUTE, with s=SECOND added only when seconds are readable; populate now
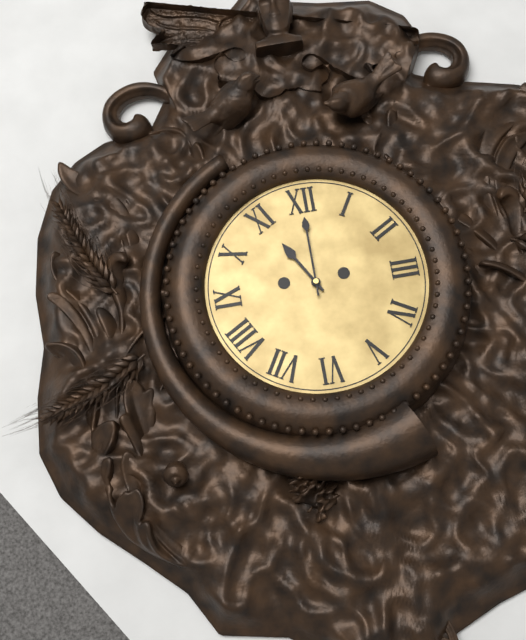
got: h=11 m=0
